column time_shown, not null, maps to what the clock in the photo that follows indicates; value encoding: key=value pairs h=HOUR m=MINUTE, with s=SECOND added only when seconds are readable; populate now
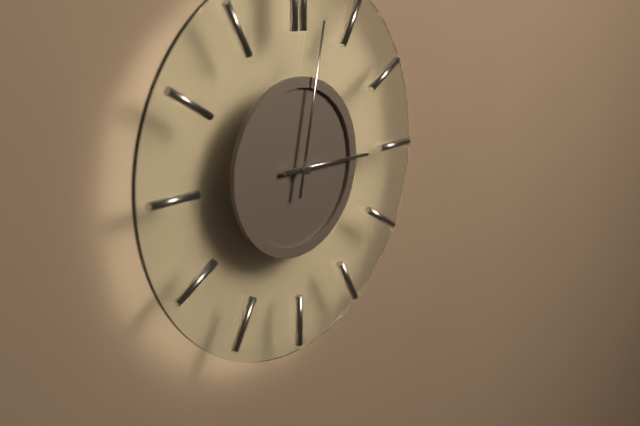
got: h=3 m=2
